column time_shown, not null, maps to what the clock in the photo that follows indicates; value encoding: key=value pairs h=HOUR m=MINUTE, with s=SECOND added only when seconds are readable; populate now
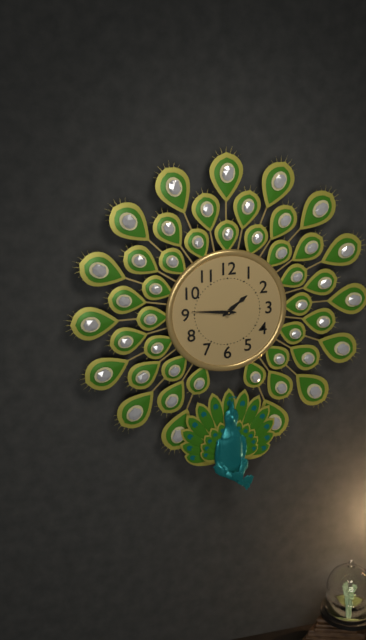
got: h=1 m=46
